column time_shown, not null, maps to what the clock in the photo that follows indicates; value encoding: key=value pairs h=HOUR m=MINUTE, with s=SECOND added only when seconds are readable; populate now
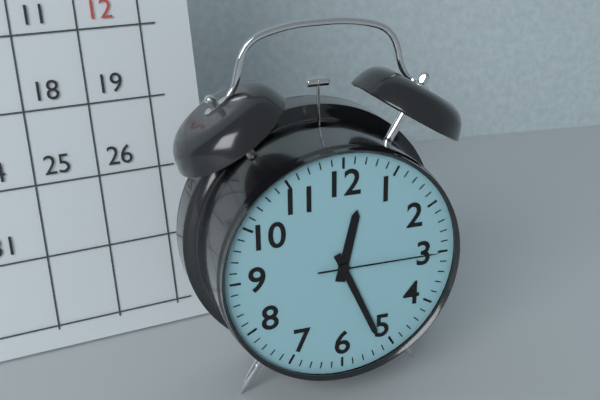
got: h=12 m=26 s=15
